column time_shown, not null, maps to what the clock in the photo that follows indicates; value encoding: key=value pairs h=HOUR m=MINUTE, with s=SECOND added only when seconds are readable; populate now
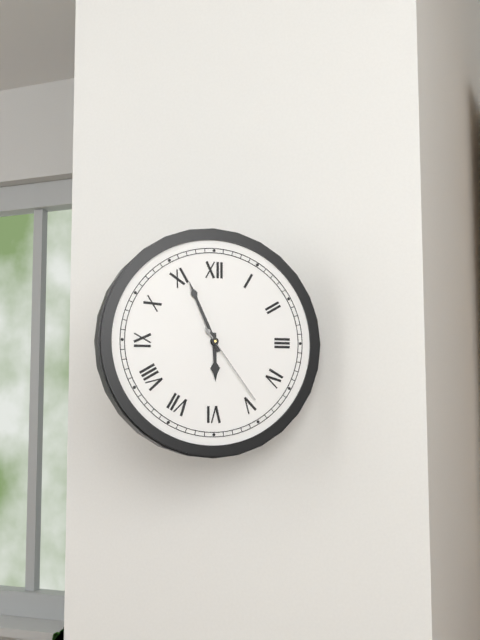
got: h=5 m=56 s=24
